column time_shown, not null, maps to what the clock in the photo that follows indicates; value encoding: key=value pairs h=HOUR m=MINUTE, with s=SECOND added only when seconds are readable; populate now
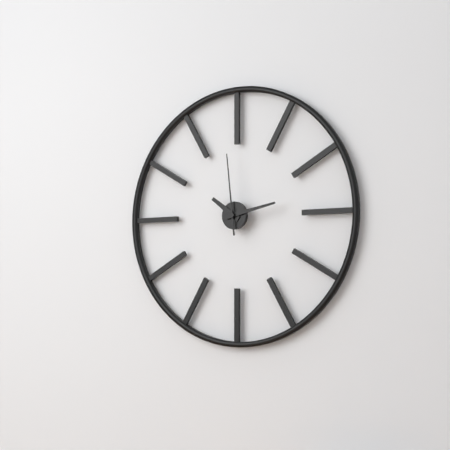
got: h=10 m=13 s=59
